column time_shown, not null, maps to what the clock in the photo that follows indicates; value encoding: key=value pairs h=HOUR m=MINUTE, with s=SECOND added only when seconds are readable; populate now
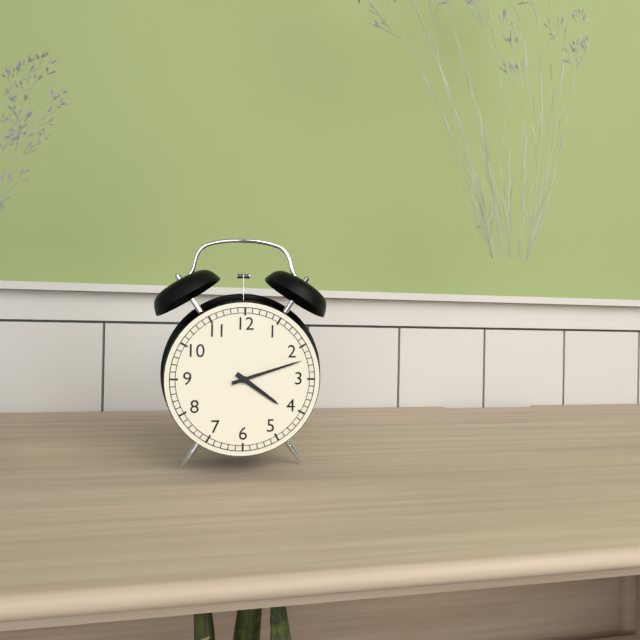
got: h=4 m=12
